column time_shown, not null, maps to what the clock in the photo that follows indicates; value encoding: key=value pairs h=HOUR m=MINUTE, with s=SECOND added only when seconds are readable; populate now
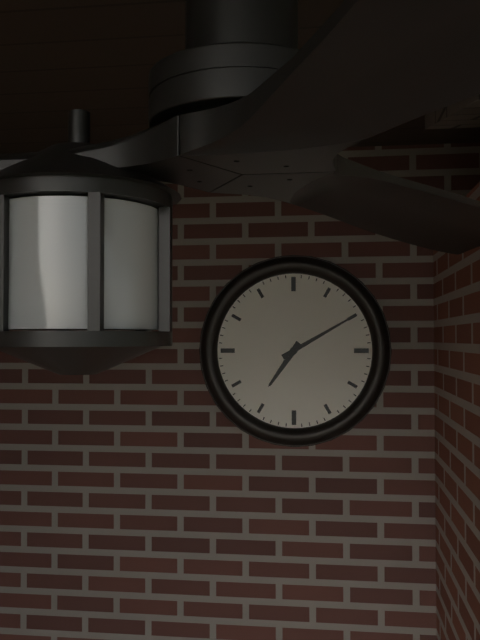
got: h=7 m=10
